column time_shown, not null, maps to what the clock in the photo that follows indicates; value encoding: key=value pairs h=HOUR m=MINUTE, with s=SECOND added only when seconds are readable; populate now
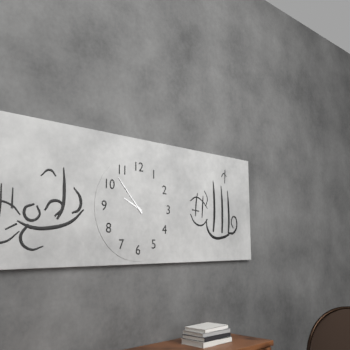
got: h=9 m=53
